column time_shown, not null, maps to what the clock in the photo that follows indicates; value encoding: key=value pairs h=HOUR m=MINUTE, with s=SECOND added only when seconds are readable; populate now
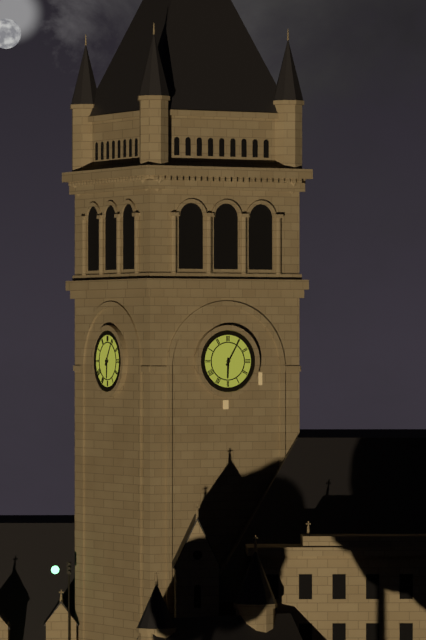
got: h=6 m=5
